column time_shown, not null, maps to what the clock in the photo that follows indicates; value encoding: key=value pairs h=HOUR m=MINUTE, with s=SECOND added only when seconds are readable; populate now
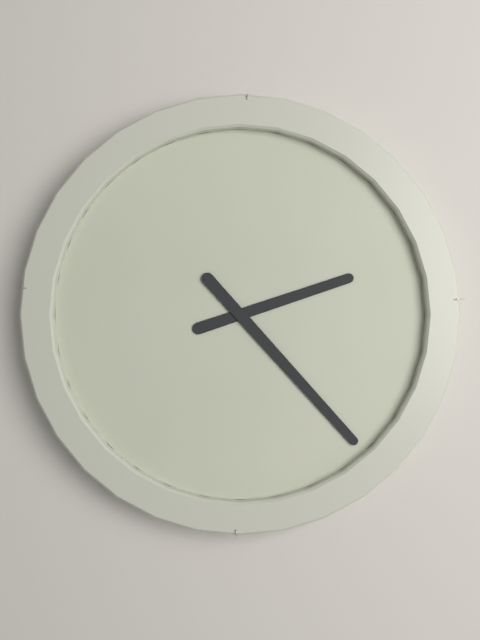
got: h=2 m=23
